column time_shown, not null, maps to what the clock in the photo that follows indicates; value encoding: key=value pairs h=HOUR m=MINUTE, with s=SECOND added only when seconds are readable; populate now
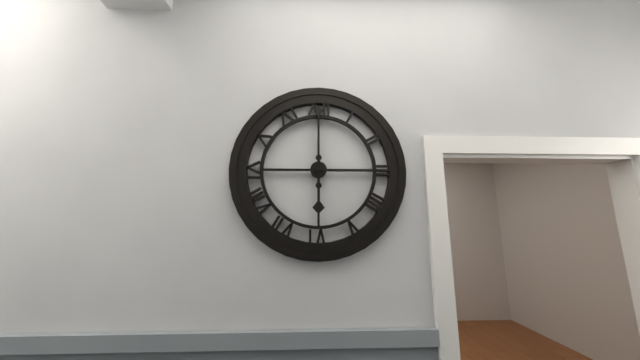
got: h=6 m=0
